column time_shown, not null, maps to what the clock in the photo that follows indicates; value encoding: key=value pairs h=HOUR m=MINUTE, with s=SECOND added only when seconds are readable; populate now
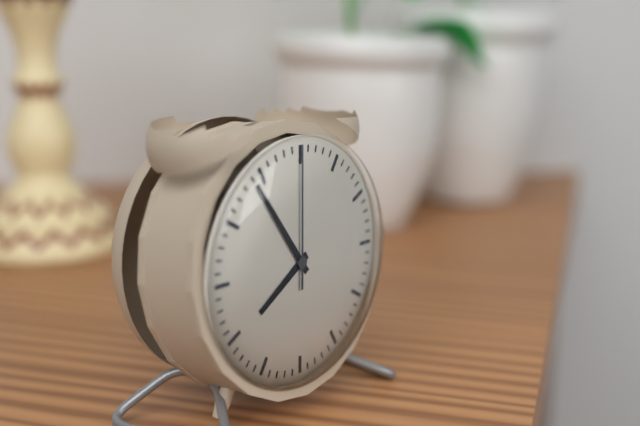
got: h=7 m=54 s=0
